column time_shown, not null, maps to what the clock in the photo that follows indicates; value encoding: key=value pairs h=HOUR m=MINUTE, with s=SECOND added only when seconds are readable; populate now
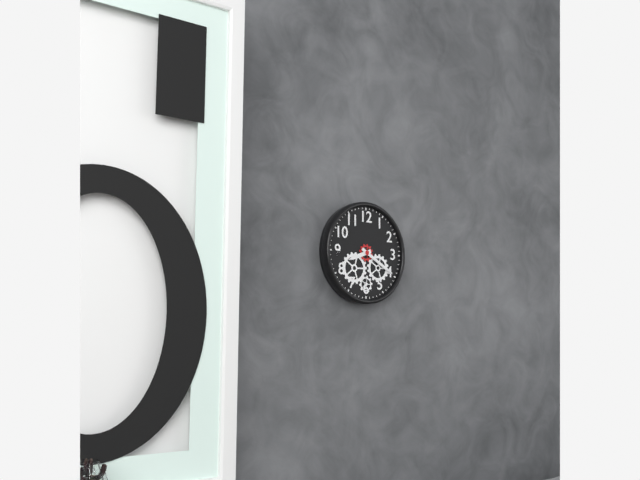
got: h=8 m=20
